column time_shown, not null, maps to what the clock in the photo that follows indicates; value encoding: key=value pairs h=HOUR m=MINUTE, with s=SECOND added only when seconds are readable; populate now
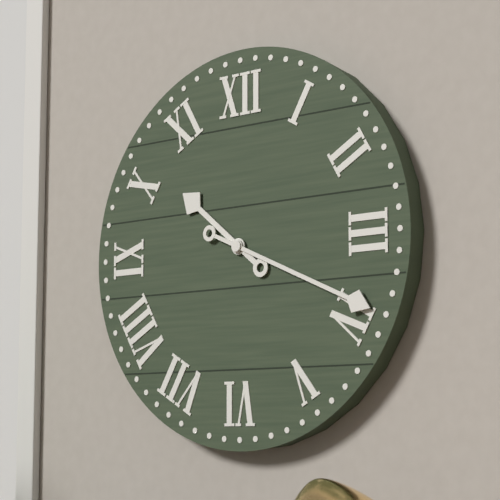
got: h=10 m=19
